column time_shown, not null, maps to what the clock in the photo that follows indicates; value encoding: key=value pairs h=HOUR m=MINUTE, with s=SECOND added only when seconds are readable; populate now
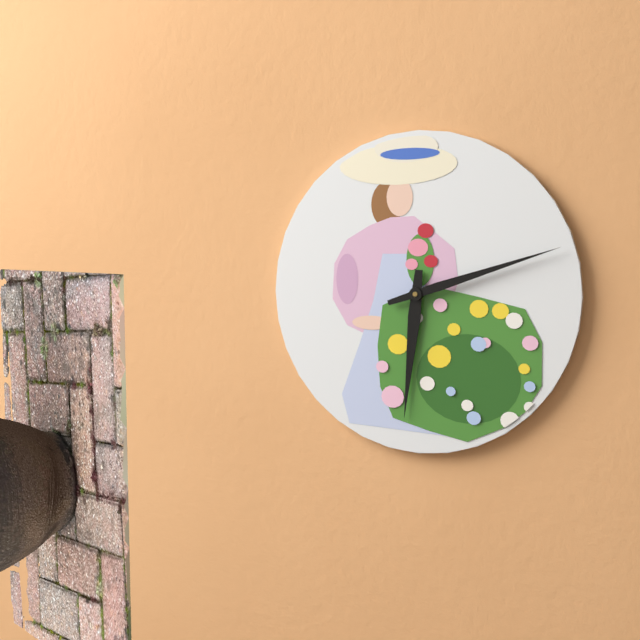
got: h=6 m=12
